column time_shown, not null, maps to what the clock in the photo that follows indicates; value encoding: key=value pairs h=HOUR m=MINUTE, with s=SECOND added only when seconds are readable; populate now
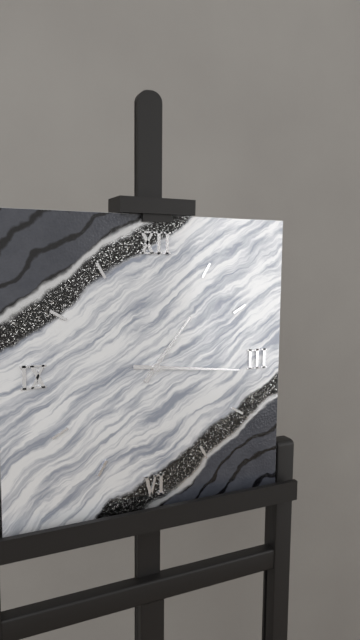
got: h=1 m=16
